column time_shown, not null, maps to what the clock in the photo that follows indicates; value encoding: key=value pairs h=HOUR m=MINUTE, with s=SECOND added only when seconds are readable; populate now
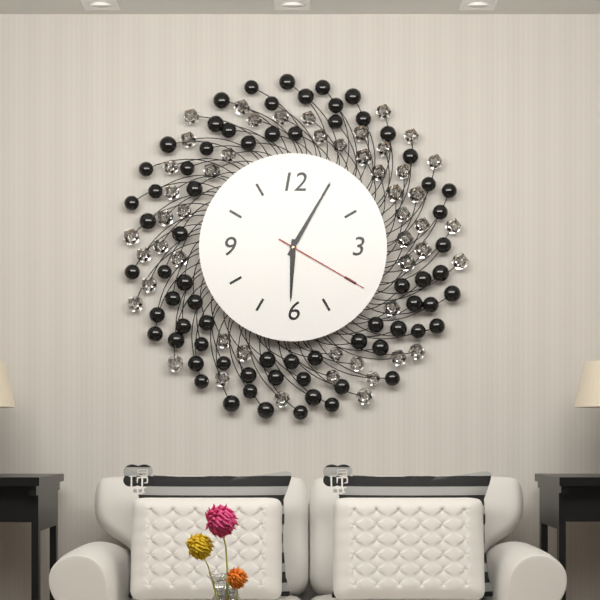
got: h=6 m=5 s=20
